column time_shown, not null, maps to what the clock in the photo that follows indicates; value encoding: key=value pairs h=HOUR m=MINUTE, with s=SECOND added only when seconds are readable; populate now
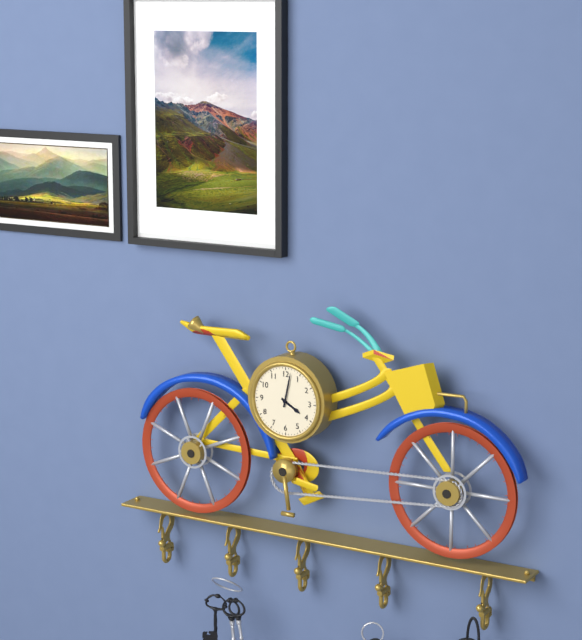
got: h=4 m=2
